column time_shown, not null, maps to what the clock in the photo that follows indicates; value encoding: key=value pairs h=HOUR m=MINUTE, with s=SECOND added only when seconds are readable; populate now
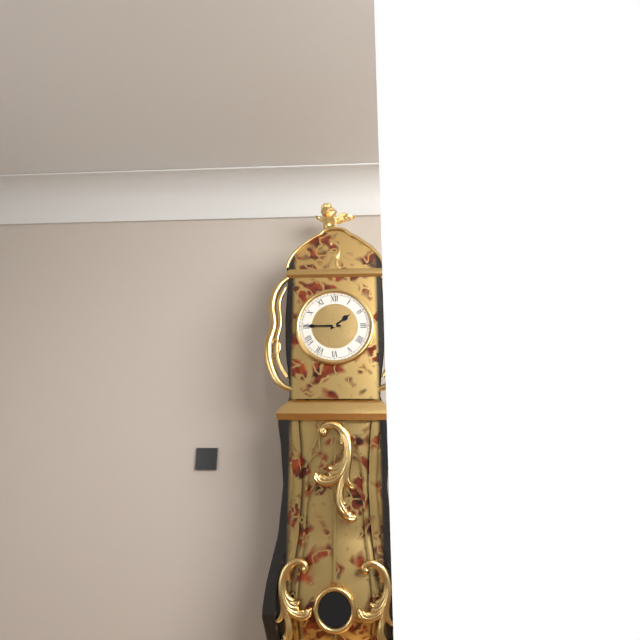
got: h=1 m=45
